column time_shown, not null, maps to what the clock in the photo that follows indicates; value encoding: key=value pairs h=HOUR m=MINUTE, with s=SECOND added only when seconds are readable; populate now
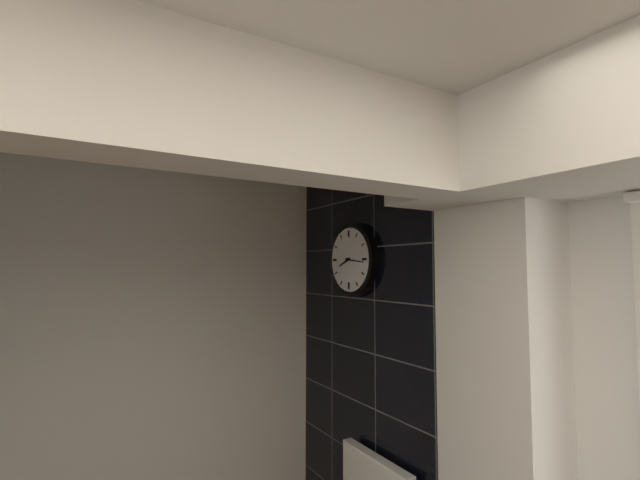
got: h=8 m=16
